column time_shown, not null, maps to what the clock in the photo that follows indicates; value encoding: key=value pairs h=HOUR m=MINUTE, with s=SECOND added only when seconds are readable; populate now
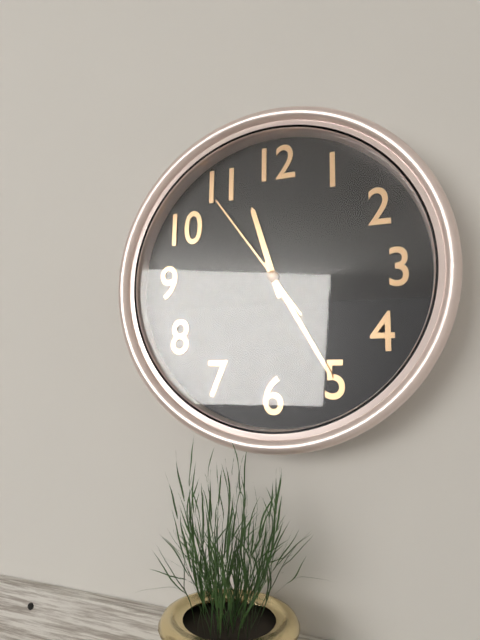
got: h=11 m=25 s=54
